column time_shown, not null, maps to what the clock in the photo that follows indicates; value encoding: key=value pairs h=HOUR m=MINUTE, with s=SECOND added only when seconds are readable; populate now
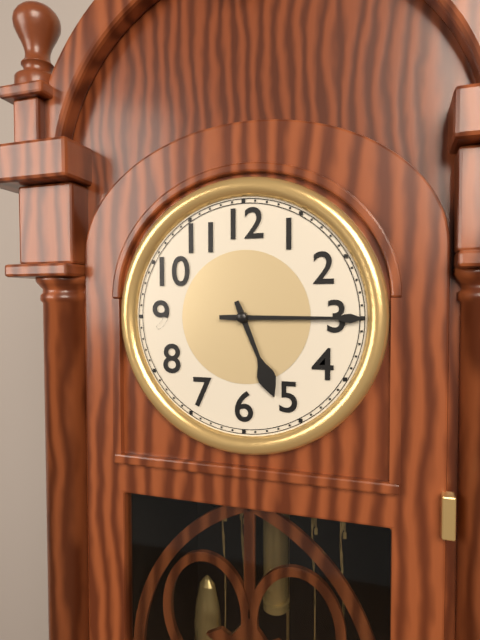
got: h=5 m=15
